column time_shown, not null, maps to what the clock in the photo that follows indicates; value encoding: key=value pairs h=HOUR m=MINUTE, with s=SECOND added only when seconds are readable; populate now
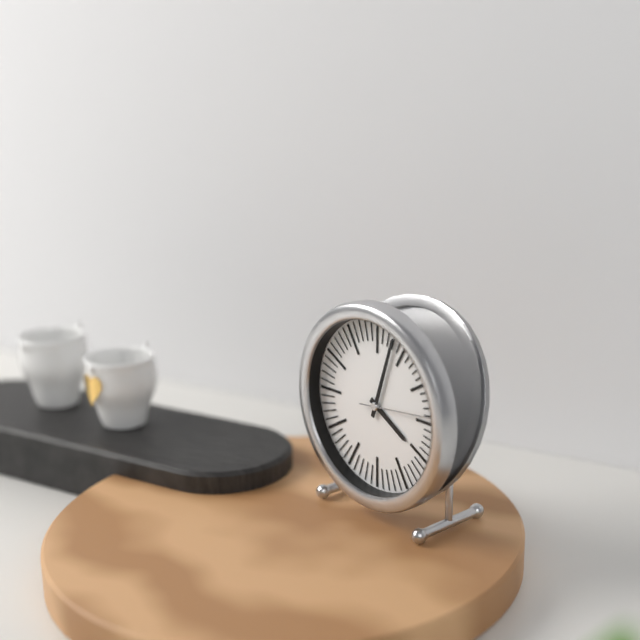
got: h=4 m=3 s=14
